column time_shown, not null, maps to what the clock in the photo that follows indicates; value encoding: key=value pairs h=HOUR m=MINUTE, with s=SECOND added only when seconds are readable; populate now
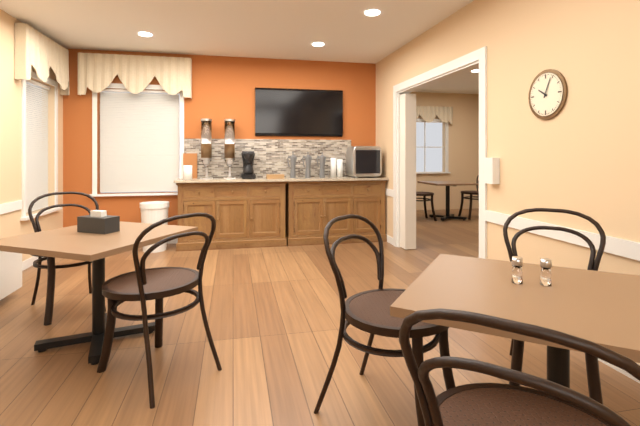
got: h=10 m=4
